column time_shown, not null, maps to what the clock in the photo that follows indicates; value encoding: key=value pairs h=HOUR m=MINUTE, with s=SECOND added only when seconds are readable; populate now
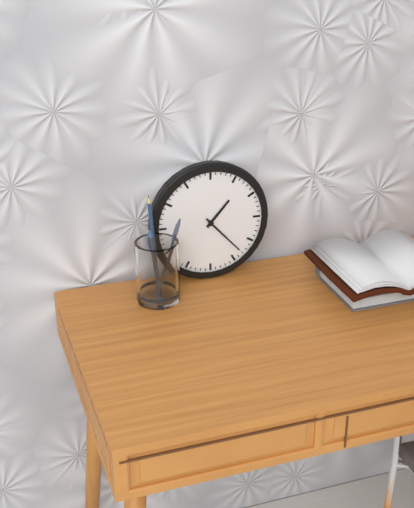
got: h=1 m=23
